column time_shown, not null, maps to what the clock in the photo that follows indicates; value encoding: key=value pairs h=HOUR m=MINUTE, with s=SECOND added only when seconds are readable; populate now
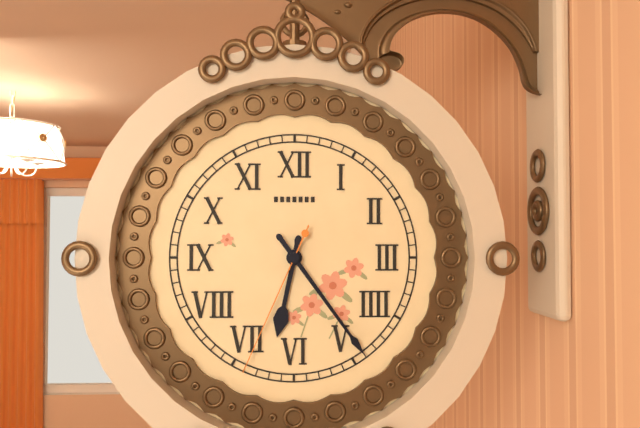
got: h=6 m=24 s=34
